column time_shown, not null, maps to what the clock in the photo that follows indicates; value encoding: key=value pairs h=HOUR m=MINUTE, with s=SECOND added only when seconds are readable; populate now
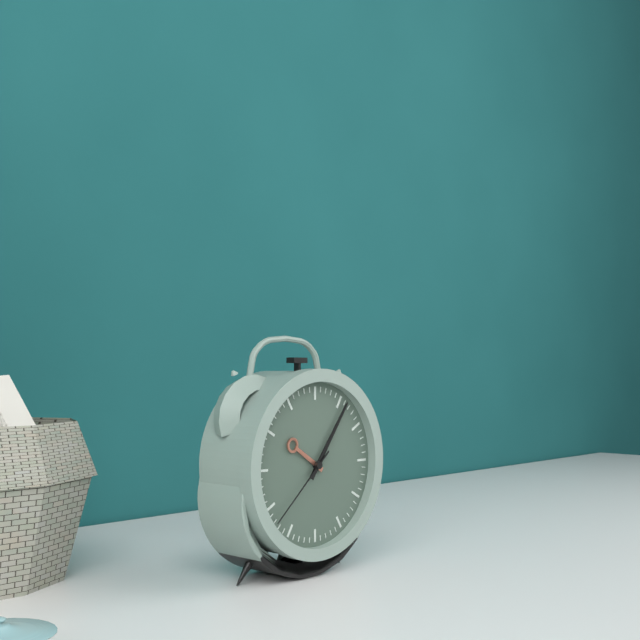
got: h=10 m=6 s=38
